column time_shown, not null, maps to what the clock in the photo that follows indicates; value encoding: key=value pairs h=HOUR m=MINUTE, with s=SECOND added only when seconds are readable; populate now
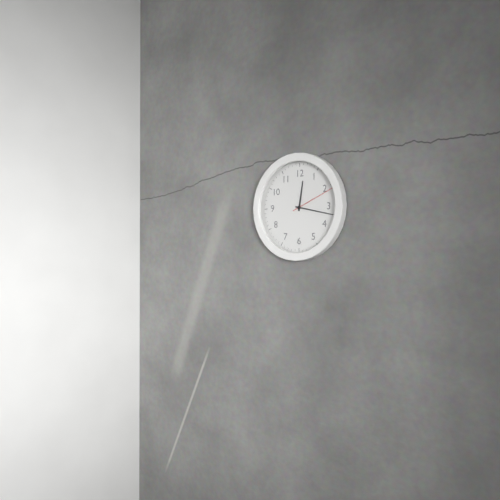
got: h=12 m=17
